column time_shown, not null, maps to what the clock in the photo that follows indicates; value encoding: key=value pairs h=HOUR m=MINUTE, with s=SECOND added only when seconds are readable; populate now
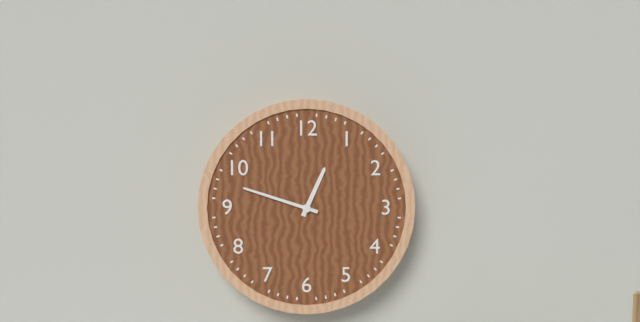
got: h=12 m=48
